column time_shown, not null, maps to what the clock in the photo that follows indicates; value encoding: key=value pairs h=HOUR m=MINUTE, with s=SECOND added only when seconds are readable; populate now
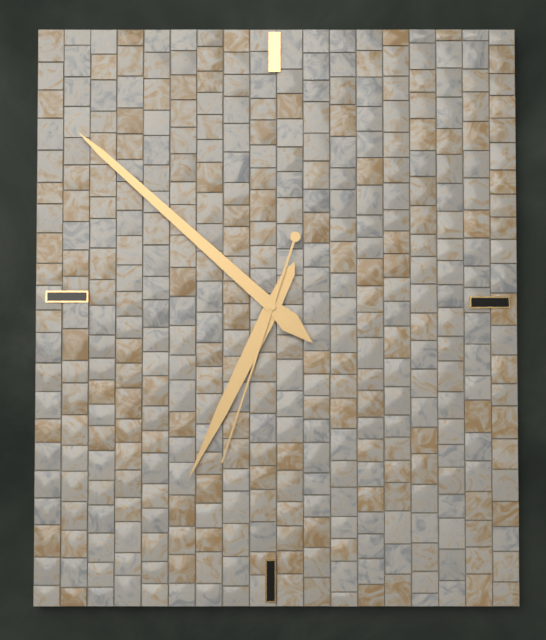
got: h=6 m=52 s=33
